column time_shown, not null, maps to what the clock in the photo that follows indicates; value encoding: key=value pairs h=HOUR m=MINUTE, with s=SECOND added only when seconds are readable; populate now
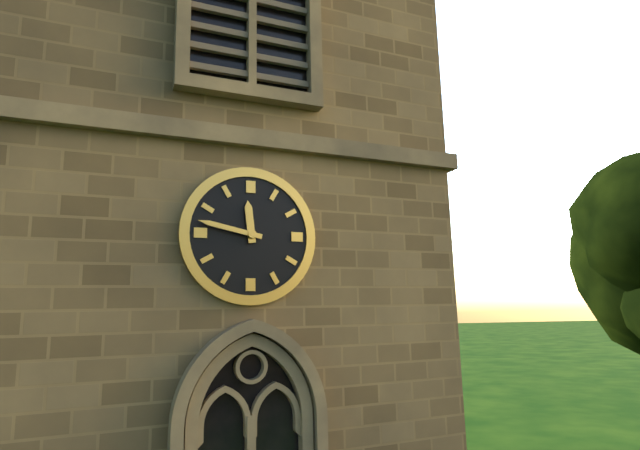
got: h=11 m=47
